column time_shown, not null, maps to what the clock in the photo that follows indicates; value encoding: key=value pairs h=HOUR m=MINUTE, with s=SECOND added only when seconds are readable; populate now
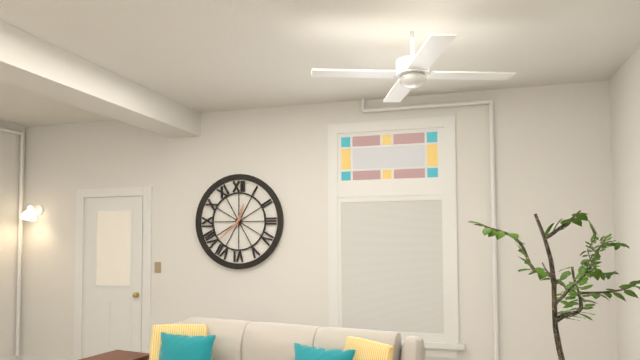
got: h=12 m=38
